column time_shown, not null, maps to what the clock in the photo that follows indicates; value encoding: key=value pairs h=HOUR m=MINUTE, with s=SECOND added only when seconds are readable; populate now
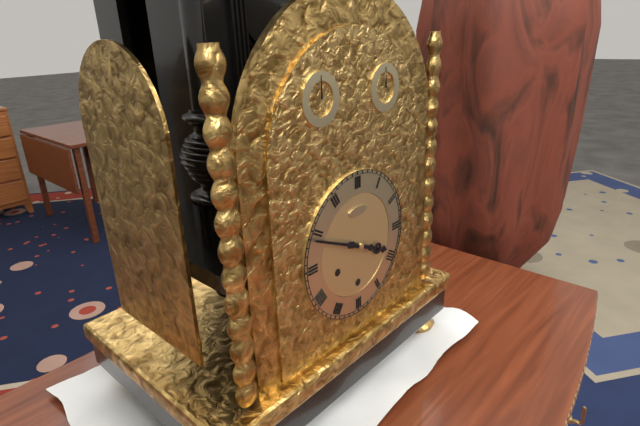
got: h=3 m=49
